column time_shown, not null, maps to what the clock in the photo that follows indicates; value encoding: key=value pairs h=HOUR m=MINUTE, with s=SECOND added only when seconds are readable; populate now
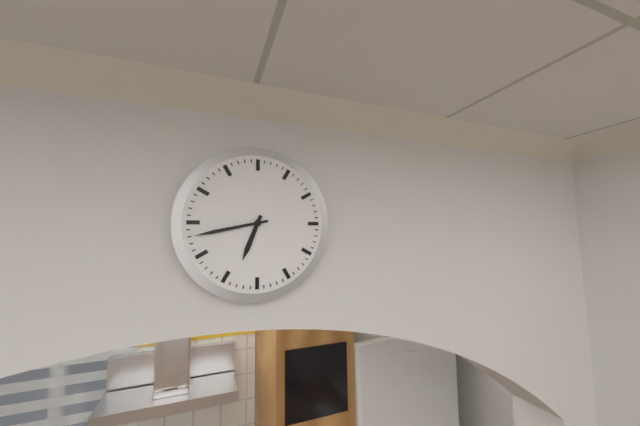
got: h=6 m=43
